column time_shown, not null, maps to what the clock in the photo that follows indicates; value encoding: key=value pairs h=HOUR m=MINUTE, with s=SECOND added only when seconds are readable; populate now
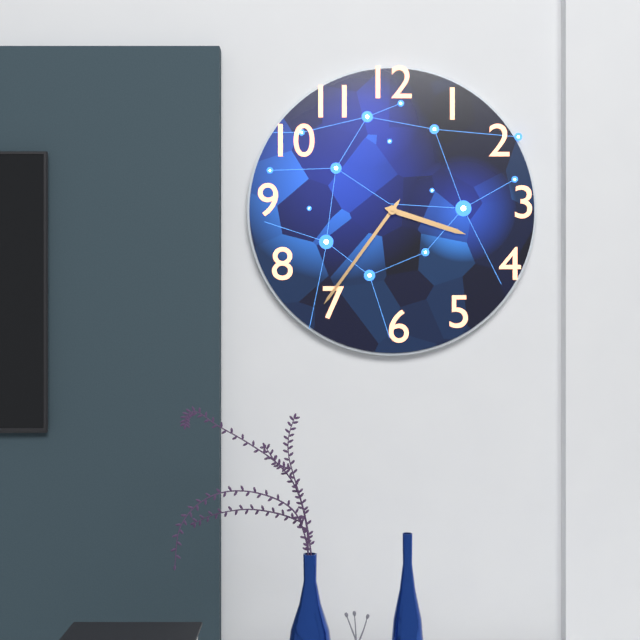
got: h=3 m=36
